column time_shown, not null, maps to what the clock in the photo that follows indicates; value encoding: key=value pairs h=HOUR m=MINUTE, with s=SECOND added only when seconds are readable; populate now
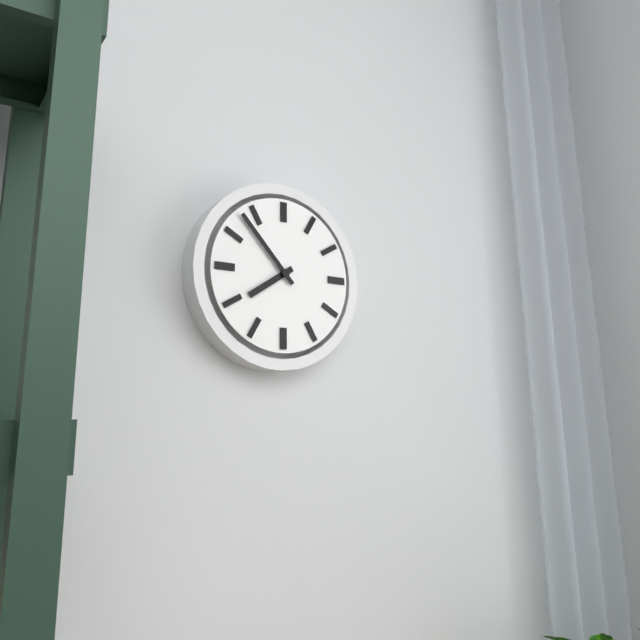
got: h=7 m=53
